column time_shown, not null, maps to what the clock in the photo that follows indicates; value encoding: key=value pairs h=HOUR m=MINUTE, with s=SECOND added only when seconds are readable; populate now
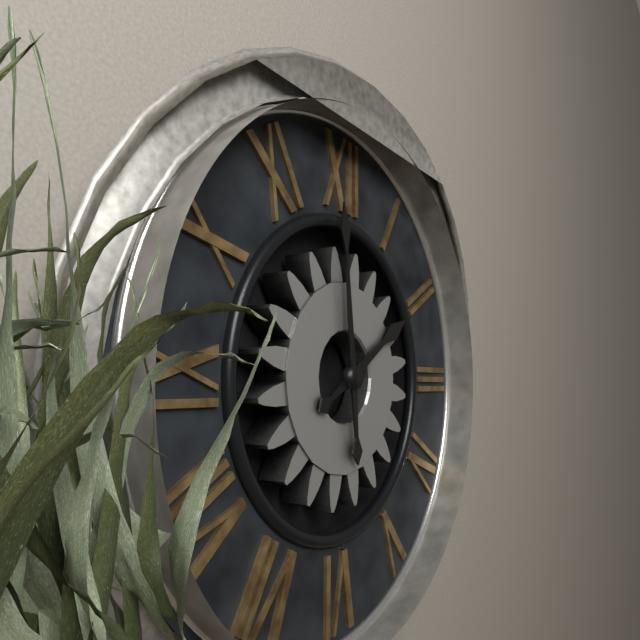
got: h=1 m=59
